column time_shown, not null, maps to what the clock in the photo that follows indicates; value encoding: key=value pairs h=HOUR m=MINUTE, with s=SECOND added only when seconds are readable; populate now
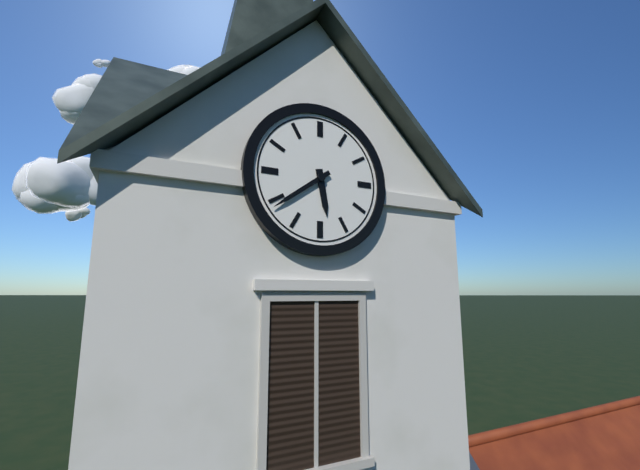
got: h=5 m=39
